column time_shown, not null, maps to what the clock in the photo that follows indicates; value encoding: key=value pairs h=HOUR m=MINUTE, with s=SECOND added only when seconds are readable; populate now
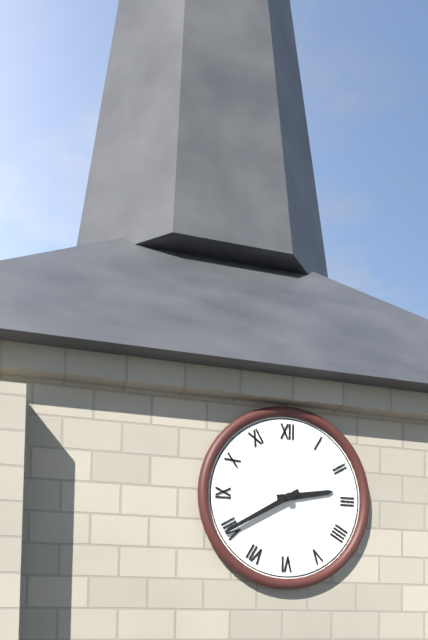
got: h=2 m=40
